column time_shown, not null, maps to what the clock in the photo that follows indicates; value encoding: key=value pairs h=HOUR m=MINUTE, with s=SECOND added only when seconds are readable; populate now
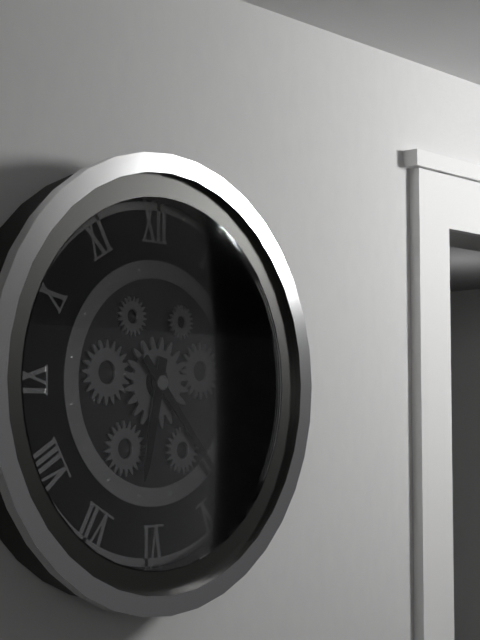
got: h=6 m=23
